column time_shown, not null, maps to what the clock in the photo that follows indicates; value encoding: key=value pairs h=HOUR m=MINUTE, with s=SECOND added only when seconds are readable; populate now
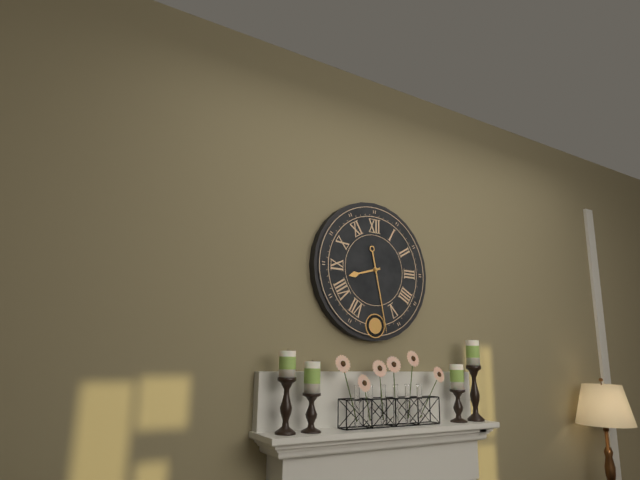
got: h=8 m=28
